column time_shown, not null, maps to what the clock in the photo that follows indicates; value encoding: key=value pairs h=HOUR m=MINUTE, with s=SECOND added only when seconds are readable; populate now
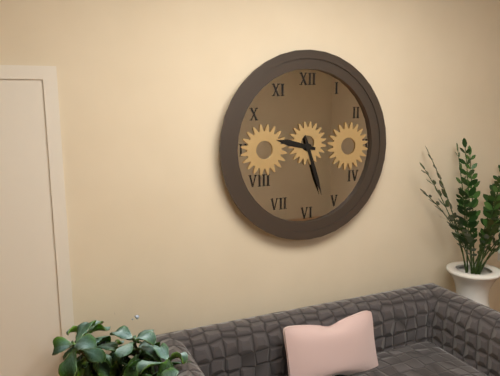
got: h=9 m=27
